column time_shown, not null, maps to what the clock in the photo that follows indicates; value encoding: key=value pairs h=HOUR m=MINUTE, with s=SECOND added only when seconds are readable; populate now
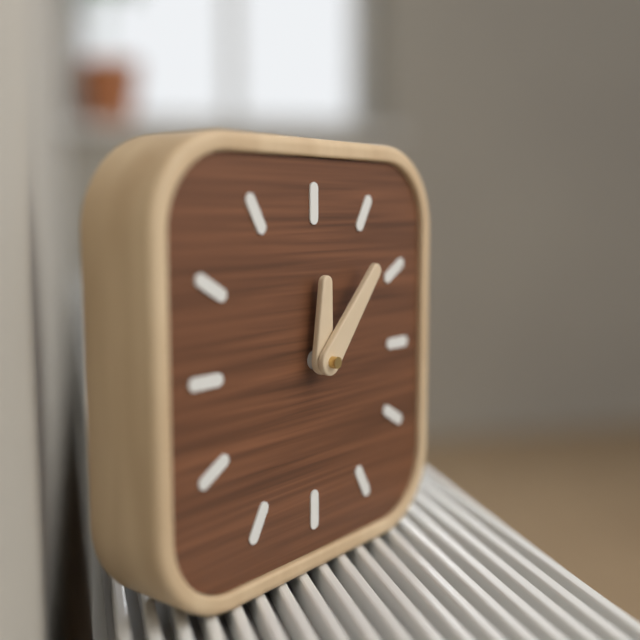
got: h=12 m=7
